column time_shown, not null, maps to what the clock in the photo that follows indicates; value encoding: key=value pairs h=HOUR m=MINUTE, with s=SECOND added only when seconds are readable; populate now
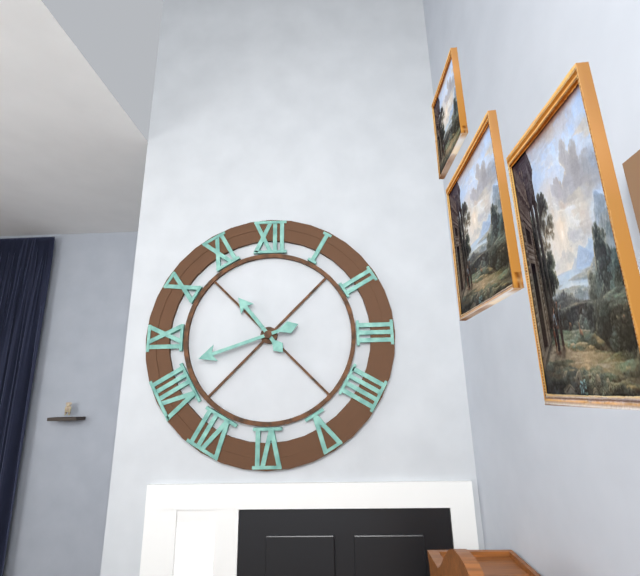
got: h=10 m=42
